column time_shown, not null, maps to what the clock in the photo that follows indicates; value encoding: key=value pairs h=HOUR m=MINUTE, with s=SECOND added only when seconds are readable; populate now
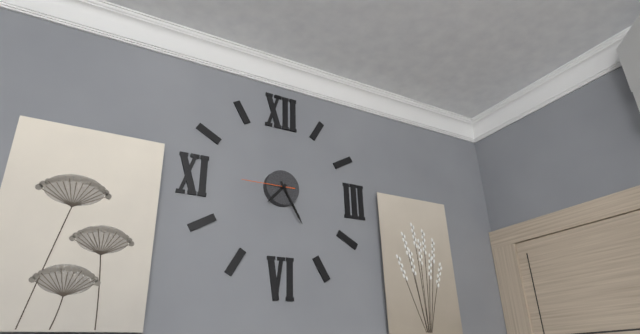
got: h=7 m=25
